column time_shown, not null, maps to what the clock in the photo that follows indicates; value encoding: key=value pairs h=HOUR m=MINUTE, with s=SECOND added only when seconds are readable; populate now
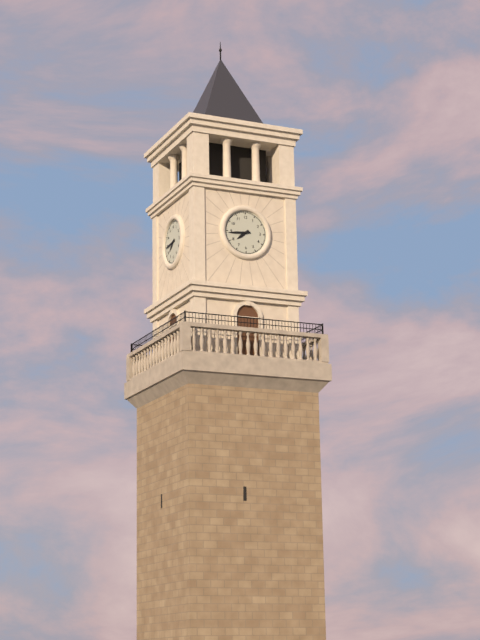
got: h=7 m=44
